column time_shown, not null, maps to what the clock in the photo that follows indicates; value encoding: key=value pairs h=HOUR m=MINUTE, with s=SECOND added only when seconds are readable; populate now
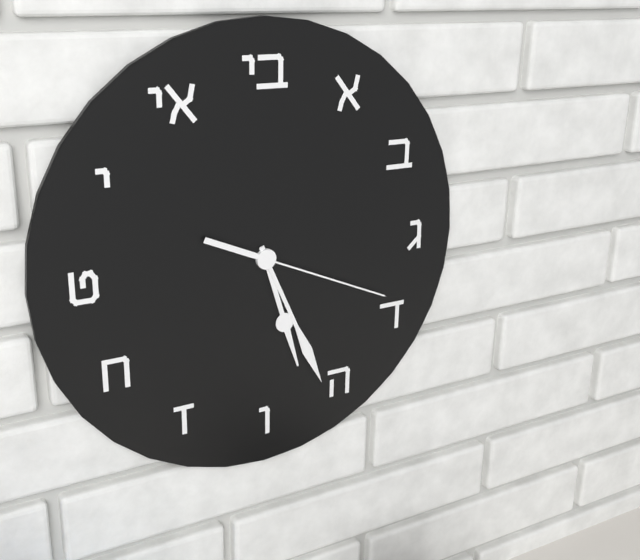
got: h=5 m=26 s=19
